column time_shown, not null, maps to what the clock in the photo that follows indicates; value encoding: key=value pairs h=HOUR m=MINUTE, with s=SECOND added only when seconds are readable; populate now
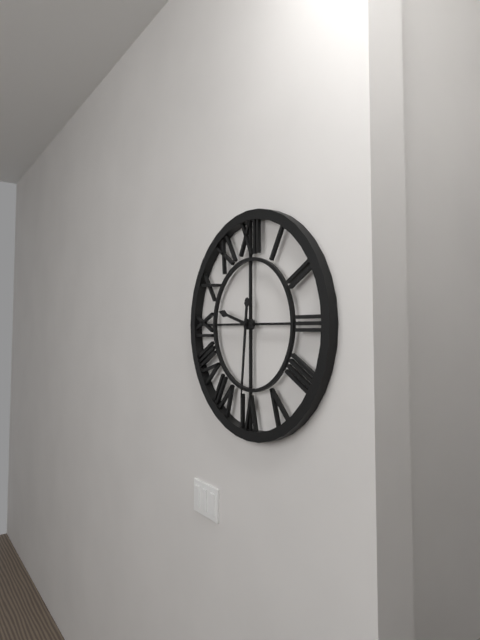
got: h=9 m=31
